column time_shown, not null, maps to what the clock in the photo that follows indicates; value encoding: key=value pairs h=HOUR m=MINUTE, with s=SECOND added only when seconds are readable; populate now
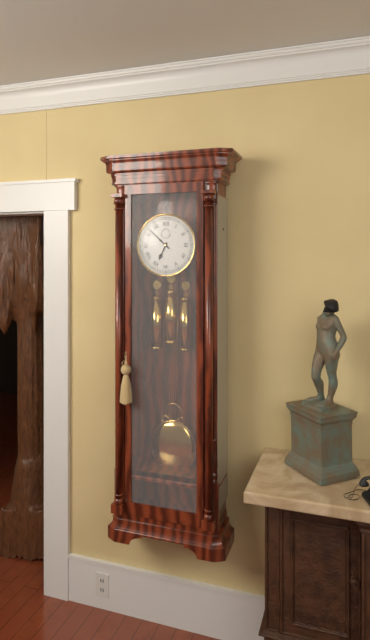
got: h=6 m=52
